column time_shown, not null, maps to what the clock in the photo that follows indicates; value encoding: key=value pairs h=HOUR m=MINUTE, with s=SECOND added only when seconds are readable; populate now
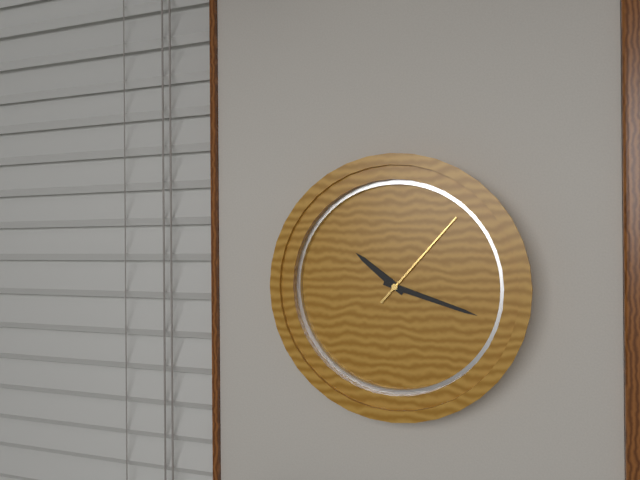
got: h=10 m=18 s=7
